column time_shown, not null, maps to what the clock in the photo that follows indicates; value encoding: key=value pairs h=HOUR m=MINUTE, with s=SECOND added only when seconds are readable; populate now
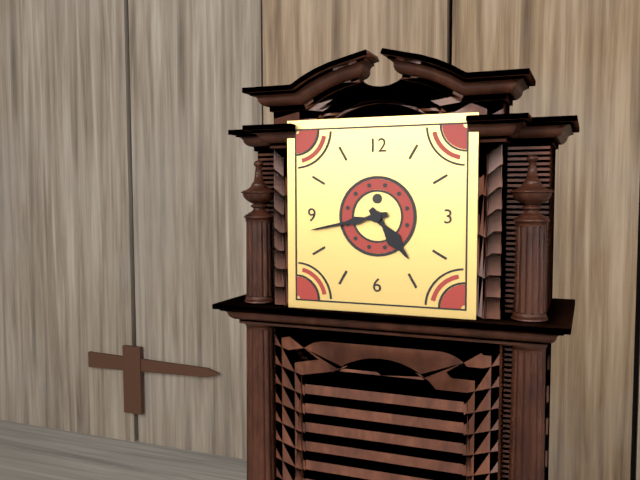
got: h=4 m=43
